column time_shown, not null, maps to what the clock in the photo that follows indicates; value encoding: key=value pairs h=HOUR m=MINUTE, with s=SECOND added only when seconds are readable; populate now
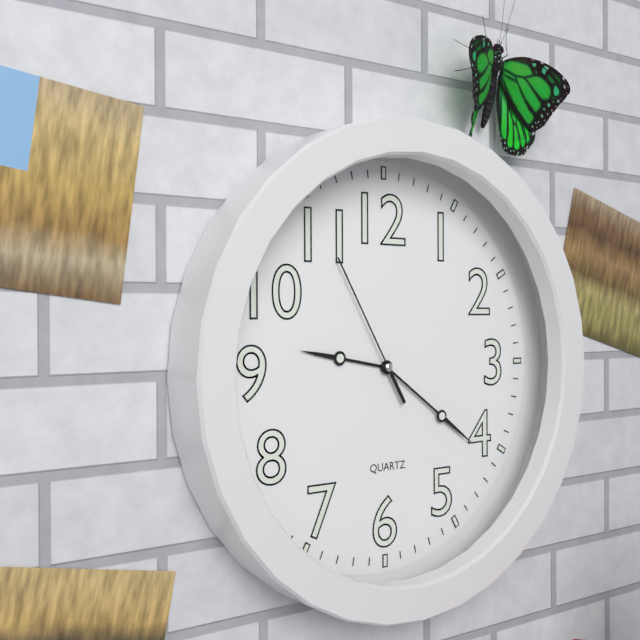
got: h=9 m=21 s=55
